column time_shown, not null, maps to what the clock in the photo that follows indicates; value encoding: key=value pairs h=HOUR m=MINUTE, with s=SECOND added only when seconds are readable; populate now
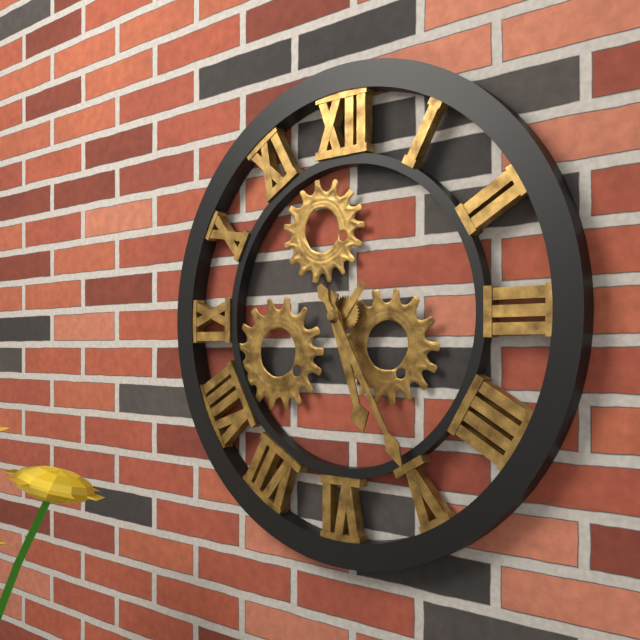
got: h=5 m=25
